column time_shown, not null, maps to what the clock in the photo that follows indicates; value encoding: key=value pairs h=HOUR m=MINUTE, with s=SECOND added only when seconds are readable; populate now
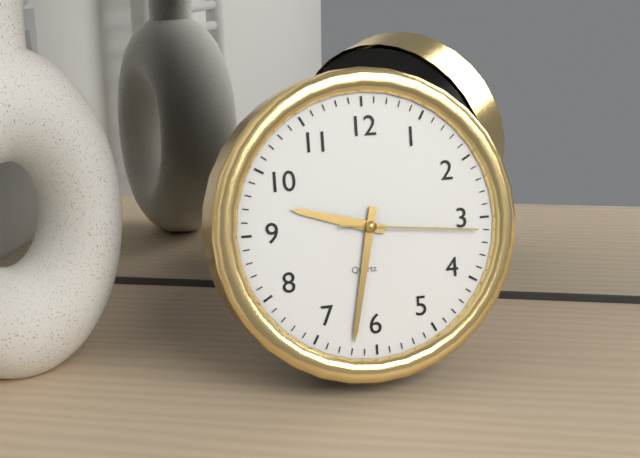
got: h=9 m=32 s=16
